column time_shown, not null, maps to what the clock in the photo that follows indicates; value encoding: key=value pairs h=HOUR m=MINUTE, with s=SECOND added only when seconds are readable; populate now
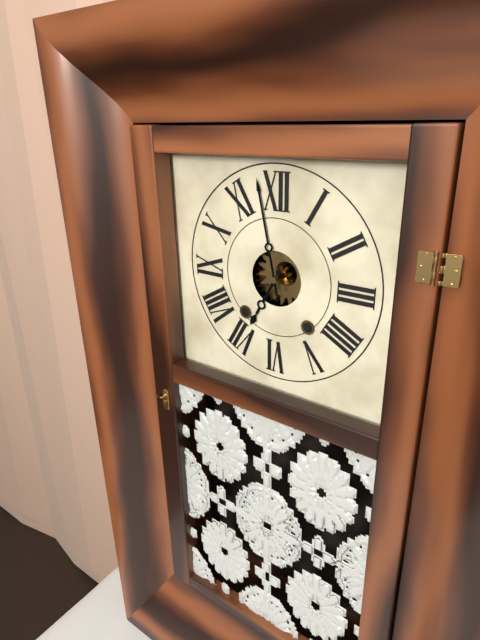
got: h=6 m=58
